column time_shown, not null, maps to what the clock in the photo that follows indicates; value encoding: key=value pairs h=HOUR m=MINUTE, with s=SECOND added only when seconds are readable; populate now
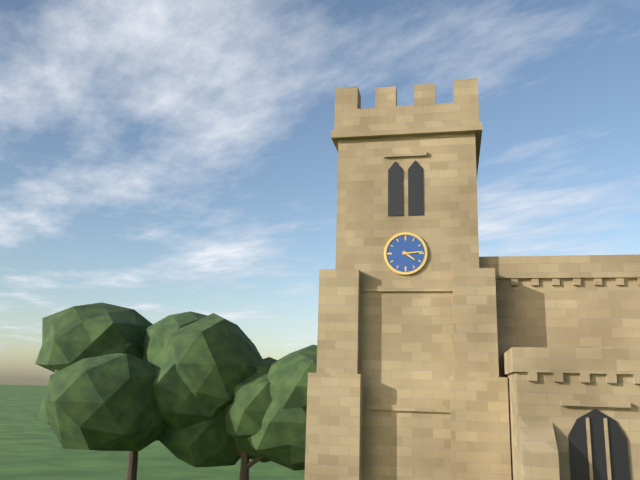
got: h=4 m=14
